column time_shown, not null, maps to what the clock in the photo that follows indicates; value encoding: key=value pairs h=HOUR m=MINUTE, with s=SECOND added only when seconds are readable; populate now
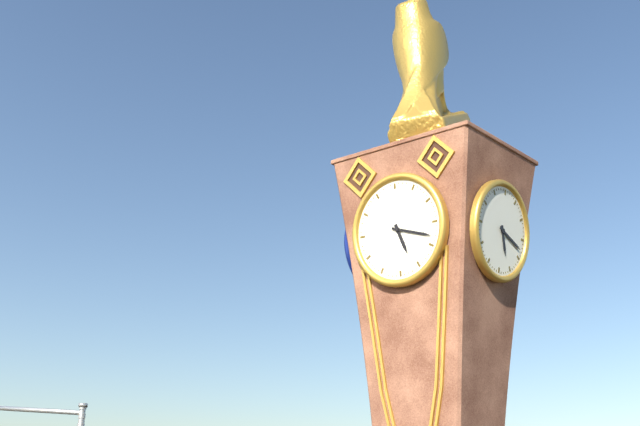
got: h=5 m=18
